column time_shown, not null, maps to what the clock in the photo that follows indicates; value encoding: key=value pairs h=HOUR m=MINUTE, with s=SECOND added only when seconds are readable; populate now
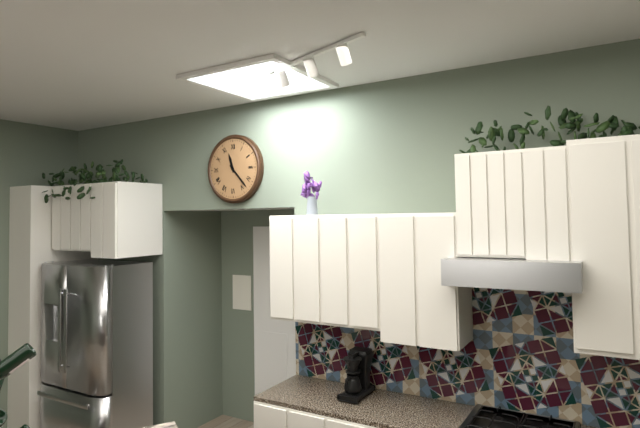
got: h=11 m=23
